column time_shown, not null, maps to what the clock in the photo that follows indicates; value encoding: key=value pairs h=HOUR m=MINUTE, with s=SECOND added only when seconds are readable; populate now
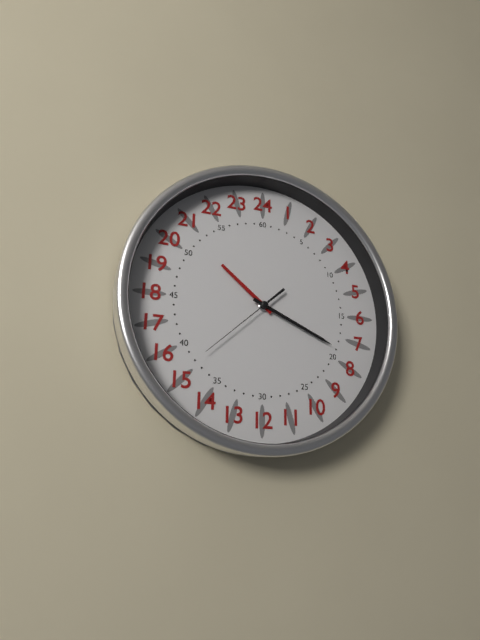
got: h=10 m=19 s=38
